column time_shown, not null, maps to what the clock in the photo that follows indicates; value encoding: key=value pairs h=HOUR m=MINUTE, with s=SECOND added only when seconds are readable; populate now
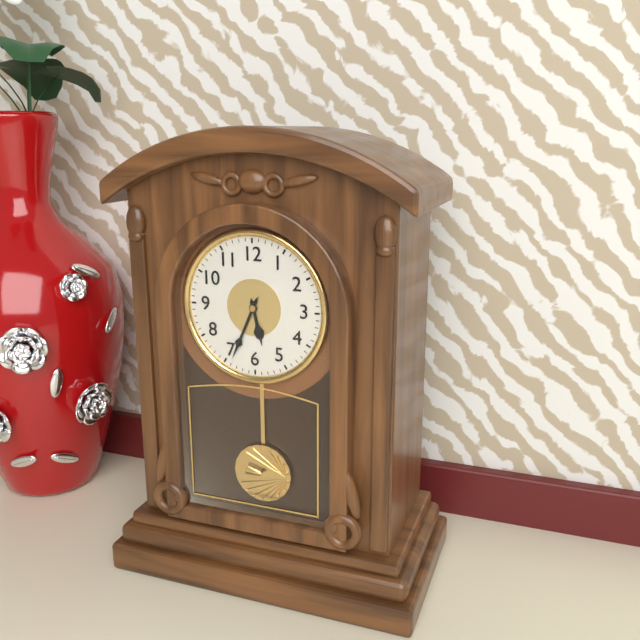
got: h=5 m=34
